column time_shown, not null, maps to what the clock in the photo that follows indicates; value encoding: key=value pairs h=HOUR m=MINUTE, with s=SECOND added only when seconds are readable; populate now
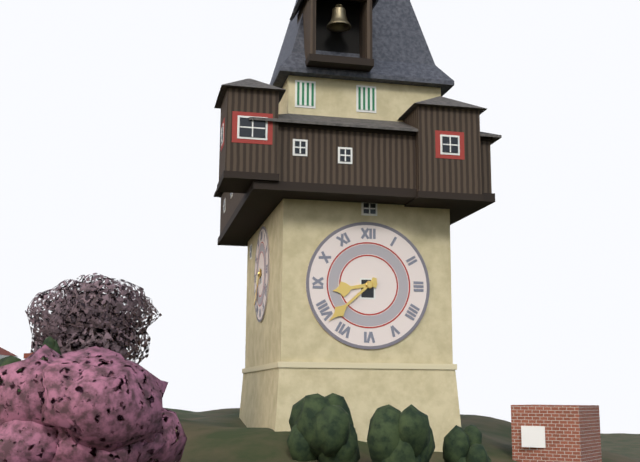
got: h=8 m=38
